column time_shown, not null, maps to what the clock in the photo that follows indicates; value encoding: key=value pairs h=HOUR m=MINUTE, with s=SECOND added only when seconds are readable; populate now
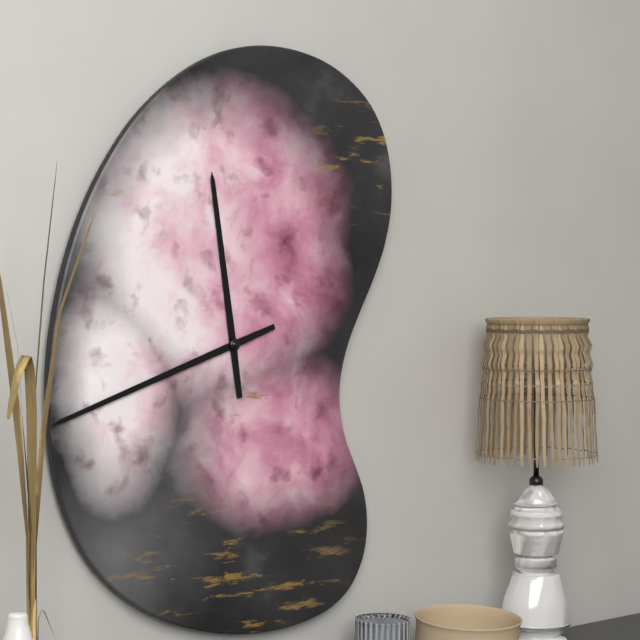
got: h=11 m=42
